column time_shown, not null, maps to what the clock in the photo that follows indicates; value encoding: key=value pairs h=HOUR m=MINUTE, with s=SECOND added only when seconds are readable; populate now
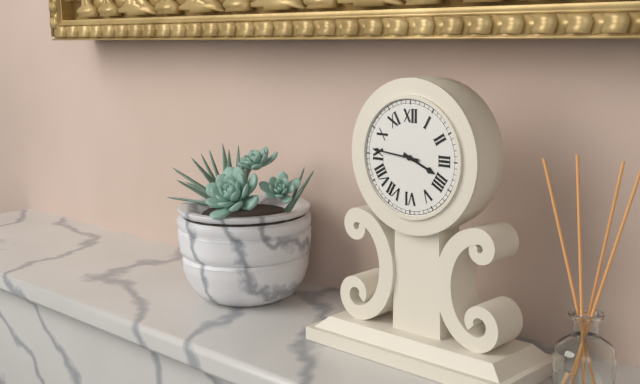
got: h=3 m=46
